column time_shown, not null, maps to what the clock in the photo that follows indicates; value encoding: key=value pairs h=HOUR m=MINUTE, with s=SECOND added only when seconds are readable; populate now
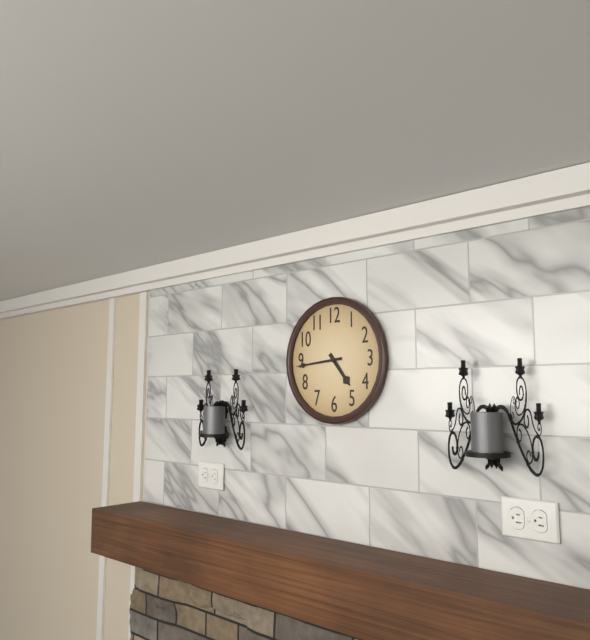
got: h=4 m=44
